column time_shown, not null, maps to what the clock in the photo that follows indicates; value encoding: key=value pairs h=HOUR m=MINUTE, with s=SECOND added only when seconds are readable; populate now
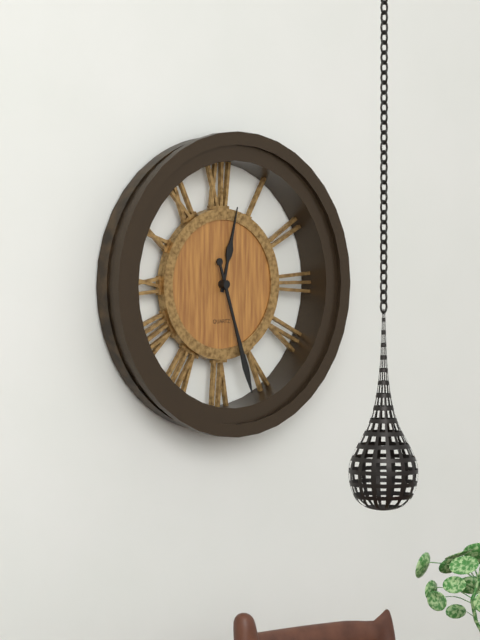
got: h=12 m=27
